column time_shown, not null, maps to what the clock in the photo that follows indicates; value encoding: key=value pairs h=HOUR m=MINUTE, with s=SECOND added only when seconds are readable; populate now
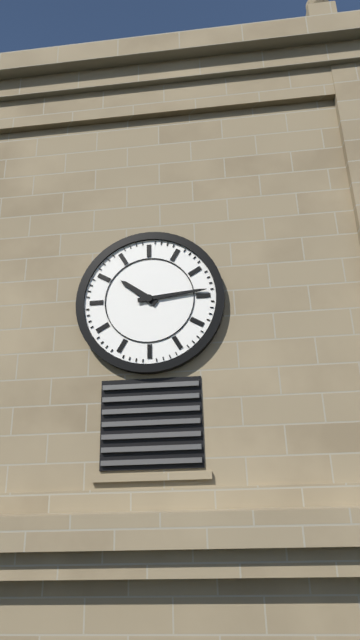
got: h=10 m=14
